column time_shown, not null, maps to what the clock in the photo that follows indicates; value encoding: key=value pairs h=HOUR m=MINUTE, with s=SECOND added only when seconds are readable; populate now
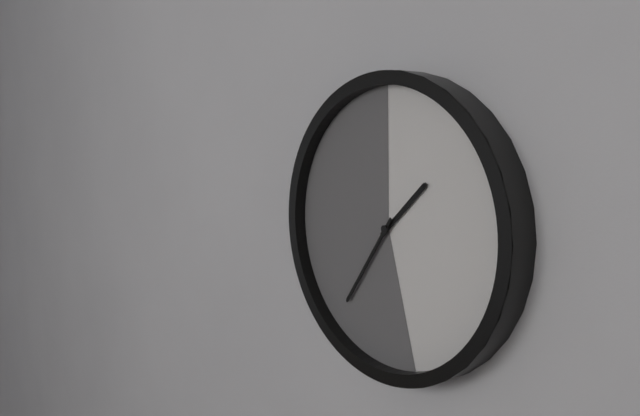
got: h=1 m=36
